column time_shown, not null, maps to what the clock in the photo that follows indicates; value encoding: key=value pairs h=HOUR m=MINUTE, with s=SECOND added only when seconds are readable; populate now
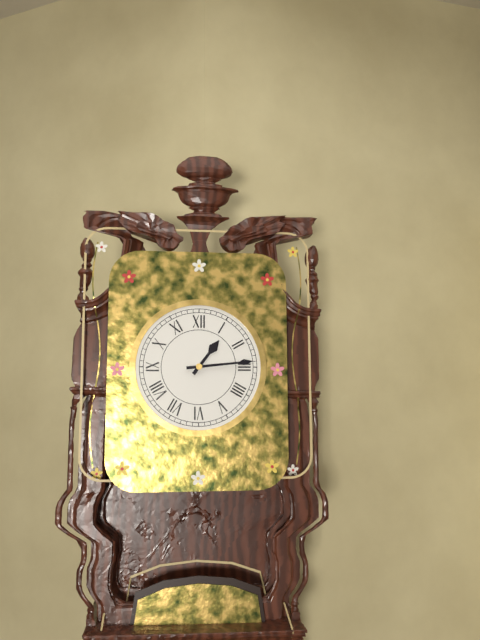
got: h=1 m=14
